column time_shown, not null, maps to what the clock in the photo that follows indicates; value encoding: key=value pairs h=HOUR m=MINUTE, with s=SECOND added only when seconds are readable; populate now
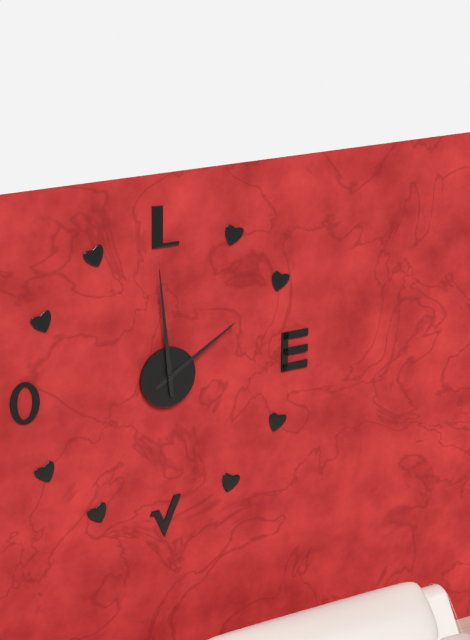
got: h=1 m=59
